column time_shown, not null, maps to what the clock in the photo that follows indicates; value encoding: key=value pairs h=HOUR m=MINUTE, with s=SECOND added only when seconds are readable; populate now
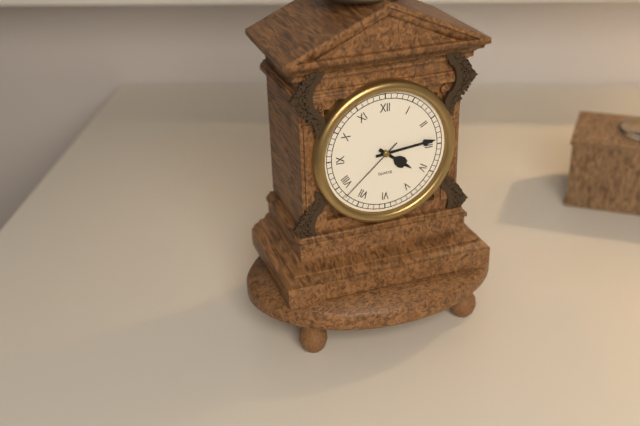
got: h=4 m=14 s=38
